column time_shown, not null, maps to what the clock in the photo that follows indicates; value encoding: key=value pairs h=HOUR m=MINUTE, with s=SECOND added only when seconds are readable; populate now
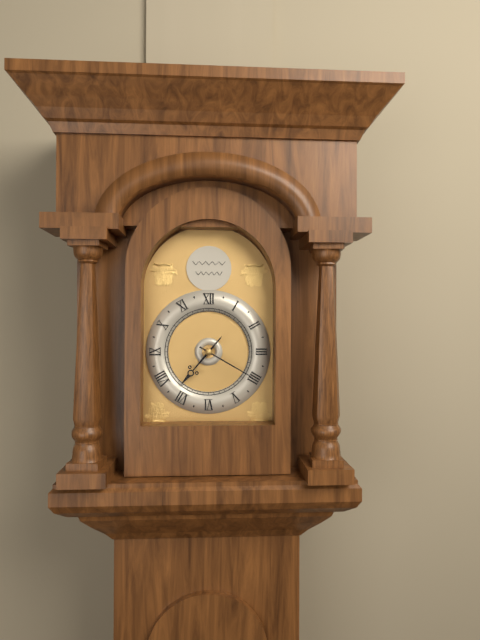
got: h=7 m=20
